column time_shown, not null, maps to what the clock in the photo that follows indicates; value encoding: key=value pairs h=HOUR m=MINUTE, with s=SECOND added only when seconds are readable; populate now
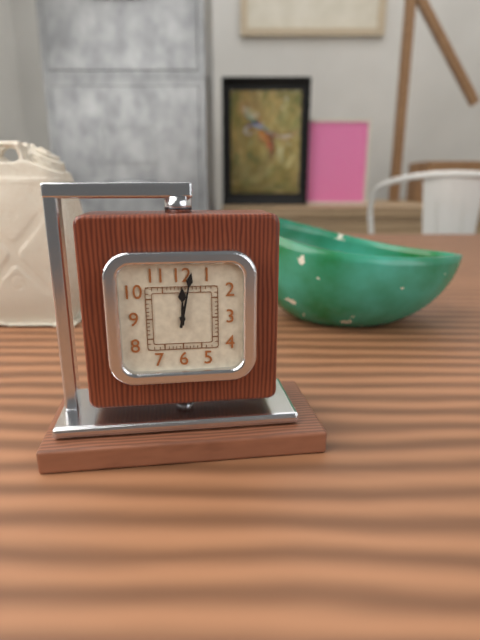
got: h=12 m=2
